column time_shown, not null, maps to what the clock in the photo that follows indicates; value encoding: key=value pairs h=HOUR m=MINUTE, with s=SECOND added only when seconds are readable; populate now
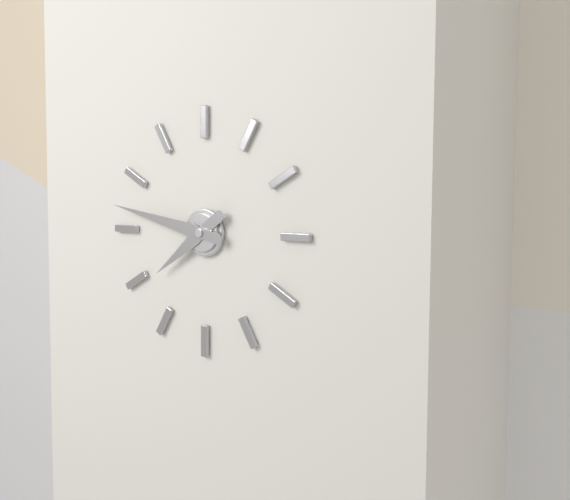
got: h=7 m=47
